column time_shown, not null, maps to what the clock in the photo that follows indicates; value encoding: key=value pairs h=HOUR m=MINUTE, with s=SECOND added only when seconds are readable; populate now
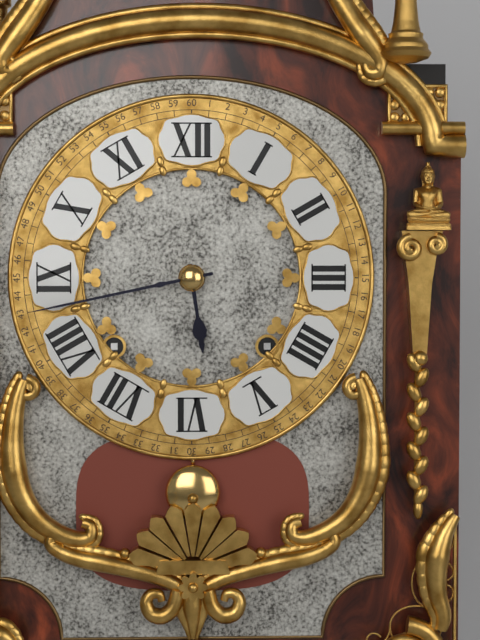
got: h=5 m=43
